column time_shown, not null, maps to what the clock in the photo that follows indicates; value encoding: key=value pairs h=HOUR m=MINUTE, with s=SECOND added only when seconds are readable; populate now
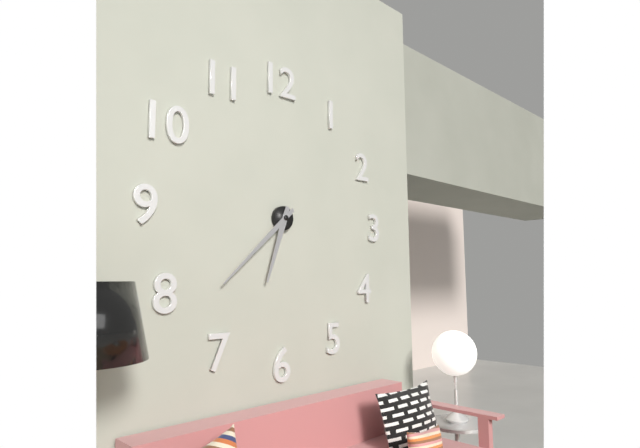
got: h=6 m=38
